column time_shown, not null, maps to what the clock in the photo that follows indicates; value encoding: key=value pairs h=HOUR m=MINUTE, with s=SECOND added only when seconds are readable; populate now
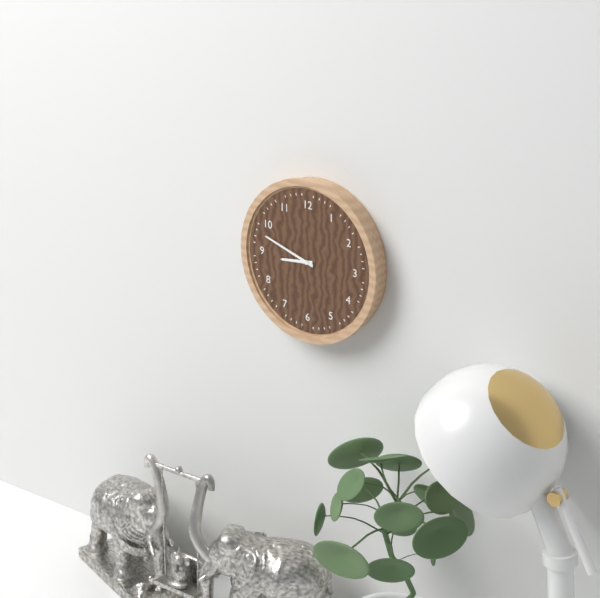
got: h=8 m=48
